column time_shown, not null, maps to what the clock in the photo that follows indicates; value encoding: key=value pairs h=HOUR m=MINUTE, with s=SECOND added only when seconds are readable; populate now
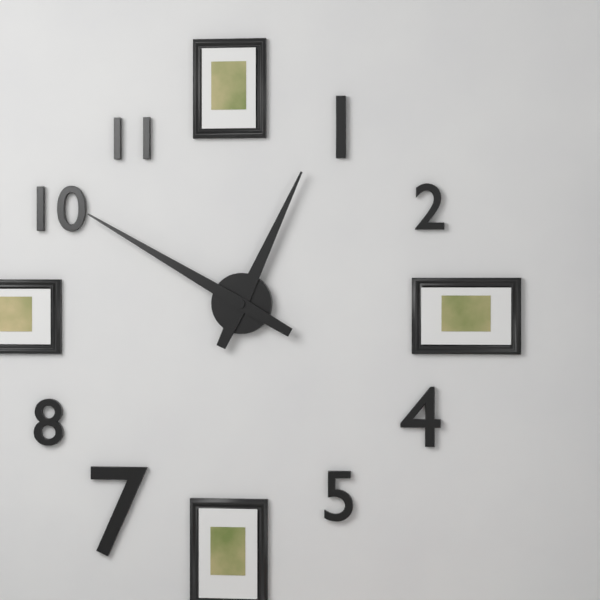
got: h=12 m=50
